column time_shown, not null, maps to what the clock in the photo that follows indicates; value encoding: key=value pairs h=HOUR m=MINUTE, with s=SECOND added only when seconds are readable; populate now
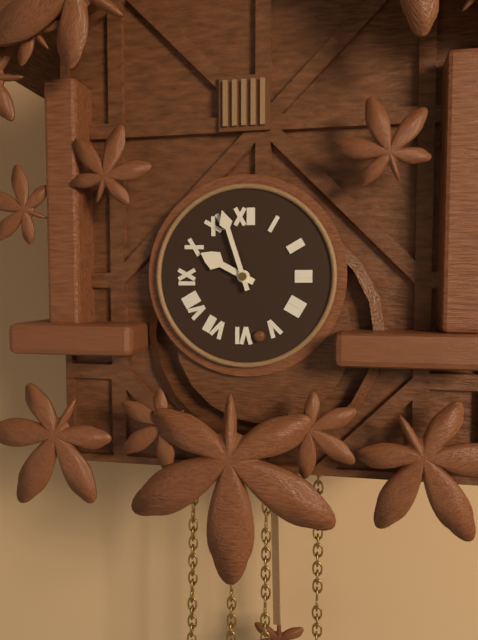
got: h=9 m=57
